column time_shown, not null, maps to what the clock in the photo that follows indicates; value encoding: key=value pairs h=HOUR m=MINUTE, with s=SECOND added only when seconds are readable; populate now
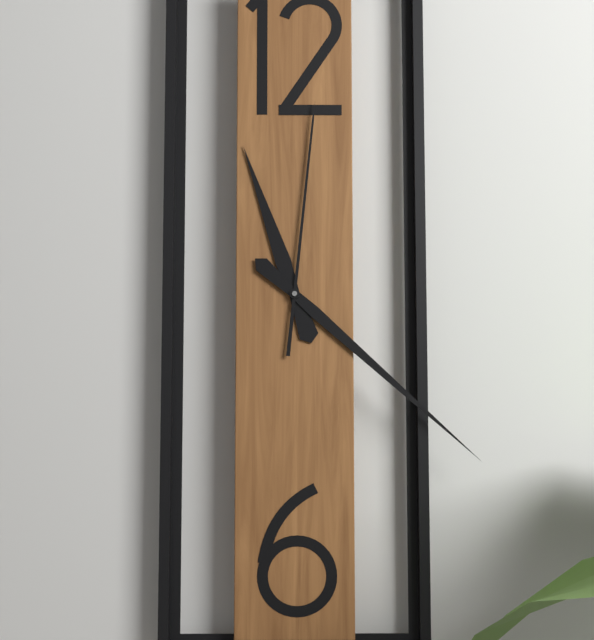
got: h=11 m=22 s=1
